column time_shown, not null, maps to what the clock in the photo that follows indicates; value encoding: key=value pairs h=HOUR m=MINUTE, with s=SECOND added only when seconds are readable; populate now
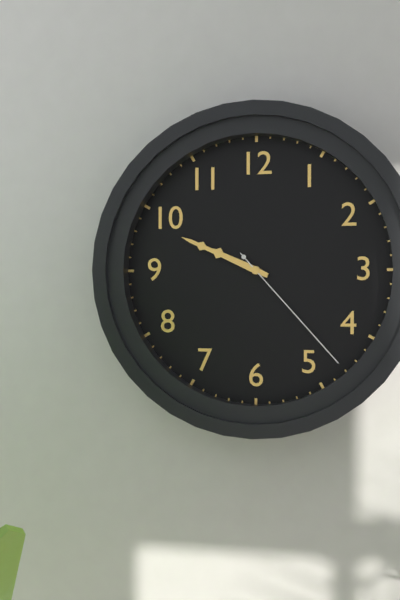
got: h=9 m=49 s=23
